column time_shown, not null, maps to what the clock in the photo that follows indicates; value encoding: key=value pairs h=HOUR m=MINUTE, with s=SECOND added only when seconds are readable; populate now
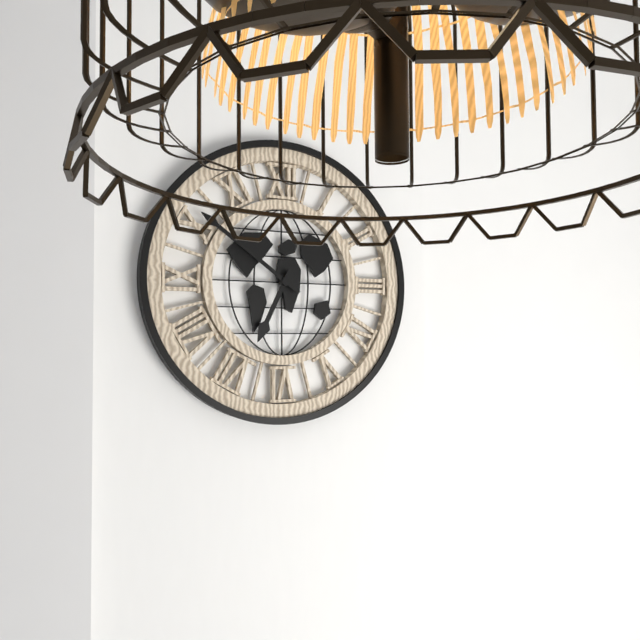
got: h=6 m=51
